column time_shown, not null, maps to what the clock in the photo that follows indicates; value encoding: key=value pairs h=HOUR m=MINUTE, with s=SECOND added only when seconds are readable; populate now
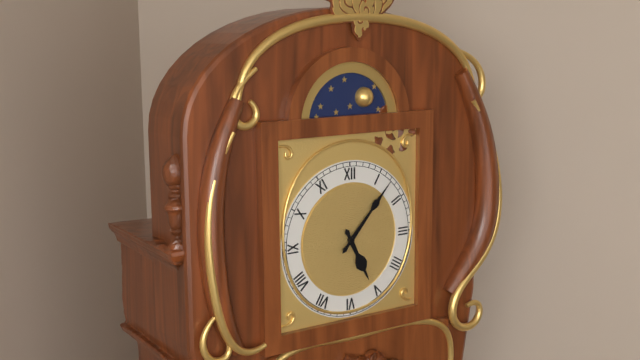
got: h=5 m=7
